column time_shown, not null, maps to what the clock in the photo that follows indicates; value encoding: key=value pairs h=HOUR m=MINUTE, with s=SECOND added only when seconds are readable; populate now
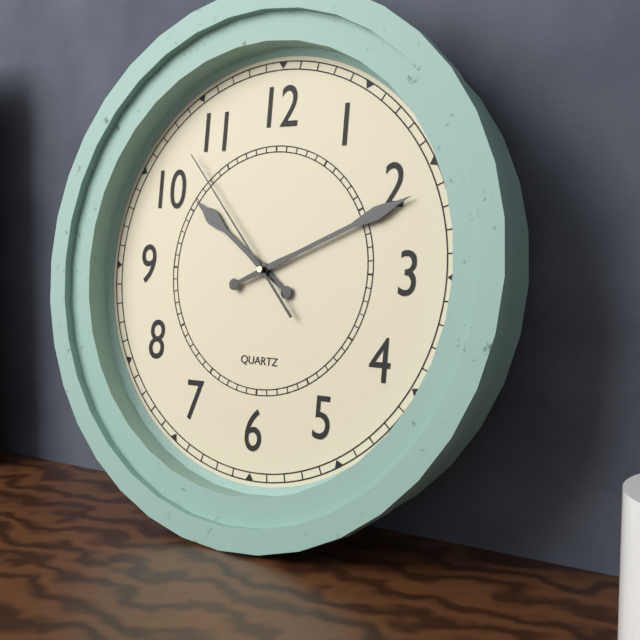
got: h=10 m=11 s=53
